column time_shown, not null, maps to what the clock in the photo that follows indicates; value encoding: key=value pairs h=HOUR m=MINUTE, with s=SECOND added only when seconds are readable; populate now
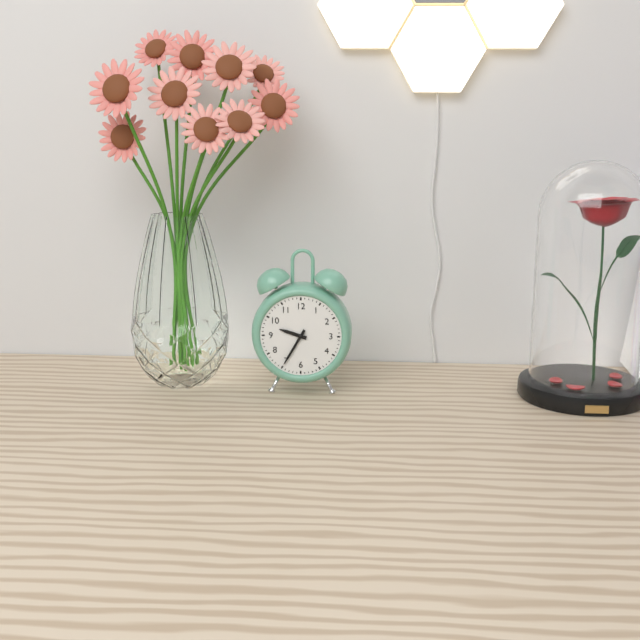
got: h=9 m=35
